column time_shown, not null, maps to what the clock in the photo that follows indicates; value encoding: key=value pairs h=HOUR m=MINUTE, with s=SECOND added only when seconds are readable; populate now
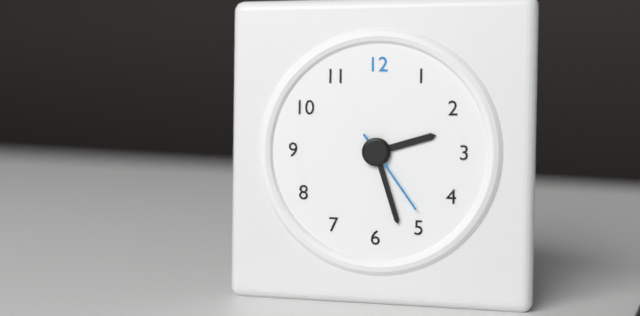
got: h=2 m=27 s=24
